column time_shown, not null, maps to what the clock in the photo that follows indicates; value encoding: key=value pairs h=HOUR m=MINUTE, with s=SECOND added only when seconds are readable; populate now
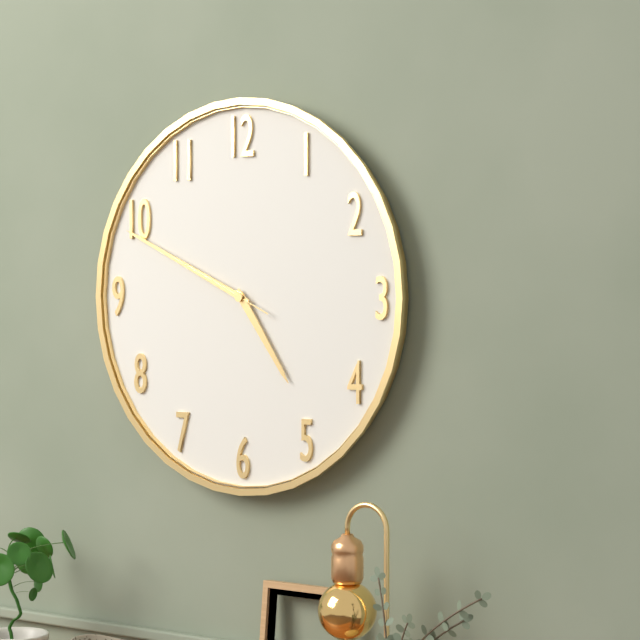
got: h=4 m=49 s=49
